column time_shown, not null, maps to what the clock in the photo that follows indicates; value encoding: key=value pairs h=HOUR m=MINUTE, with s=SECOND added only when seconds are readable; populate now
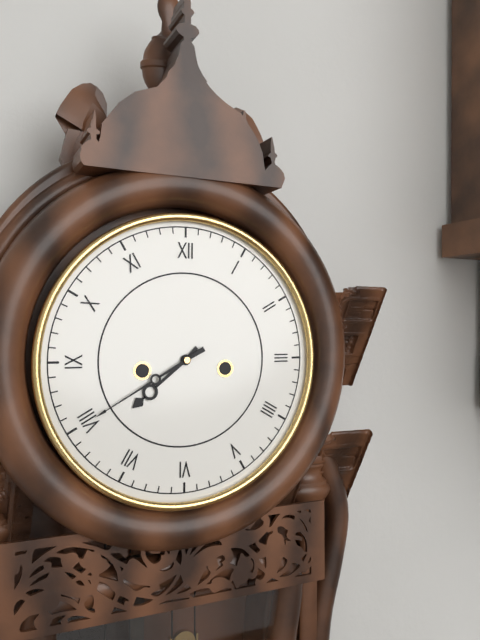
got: h=7 m=40
